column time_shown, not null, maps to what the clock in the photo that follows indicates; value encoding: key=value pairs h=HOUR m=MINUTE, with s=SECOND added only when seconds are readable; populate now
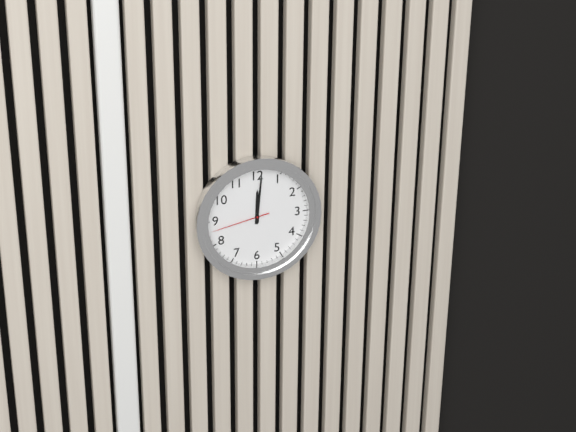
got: h=12 m=1 s=43
